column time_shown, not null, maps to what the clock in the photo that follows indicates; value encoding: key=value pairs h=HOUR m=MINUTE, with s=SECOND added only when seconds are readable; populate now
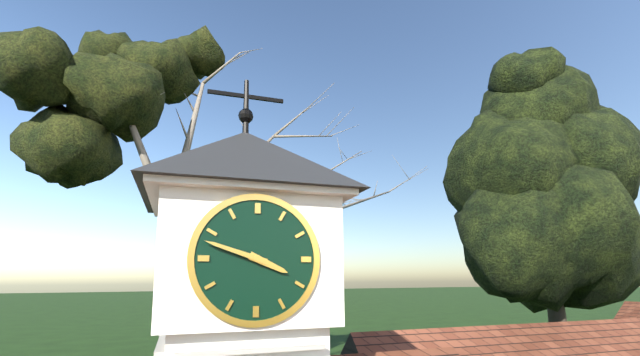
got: h=3 m=48
